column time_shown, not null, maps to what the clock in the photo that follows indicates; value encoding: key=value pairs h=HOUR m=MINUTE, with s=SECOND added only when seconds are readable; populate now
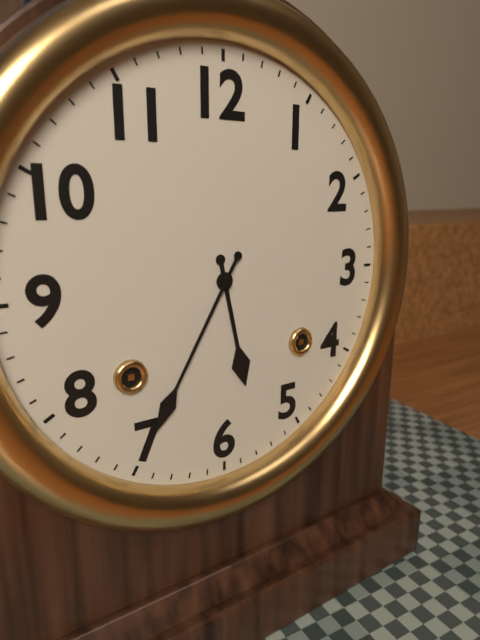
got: h=5 m=35
